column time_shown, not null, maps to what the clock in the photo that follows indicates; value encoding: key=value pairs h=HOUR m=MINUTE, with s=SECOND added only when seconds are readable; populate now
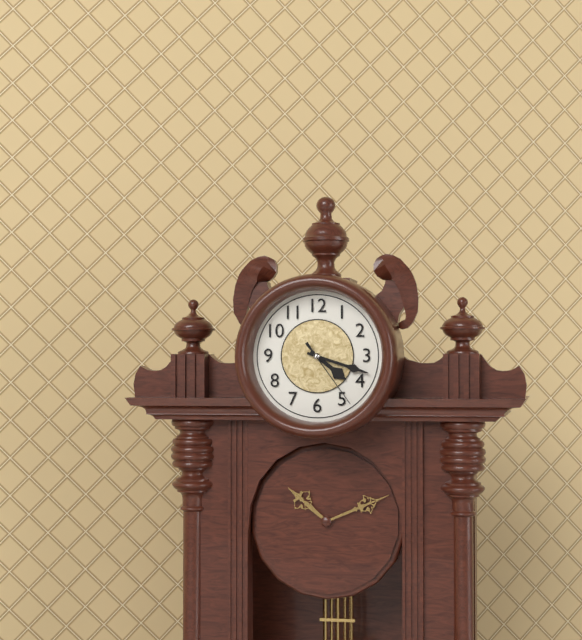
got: h=4 m=18 s=24
